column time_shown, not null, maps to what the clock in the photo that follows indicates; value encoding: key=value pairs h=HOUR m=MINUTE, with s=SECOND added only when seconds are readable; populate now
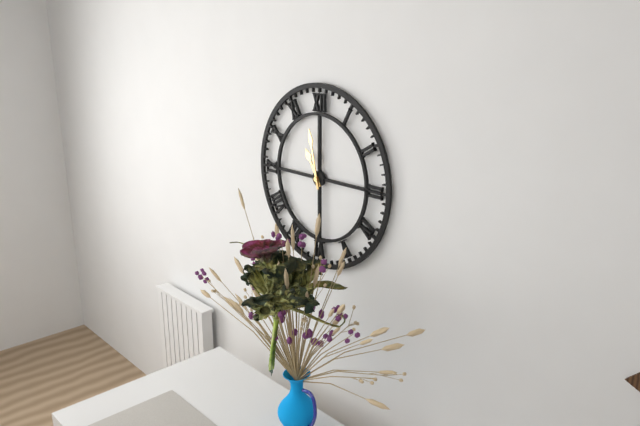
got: h=10 m=58
